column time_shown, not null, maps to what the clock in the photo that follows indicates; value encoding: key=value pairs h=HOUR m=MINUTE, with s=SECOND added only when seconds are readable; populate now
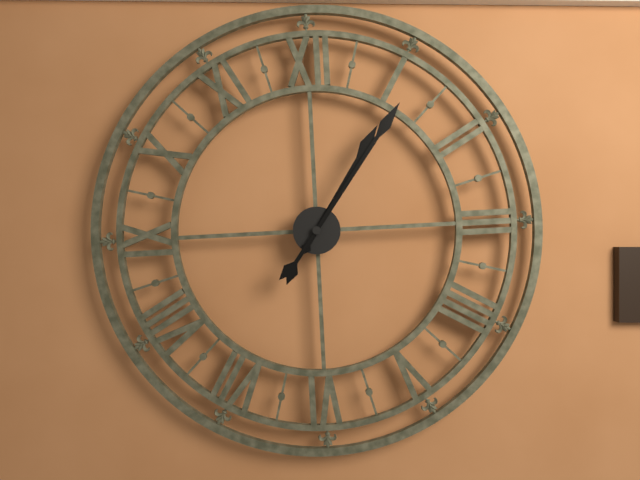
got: h=1 m=6
